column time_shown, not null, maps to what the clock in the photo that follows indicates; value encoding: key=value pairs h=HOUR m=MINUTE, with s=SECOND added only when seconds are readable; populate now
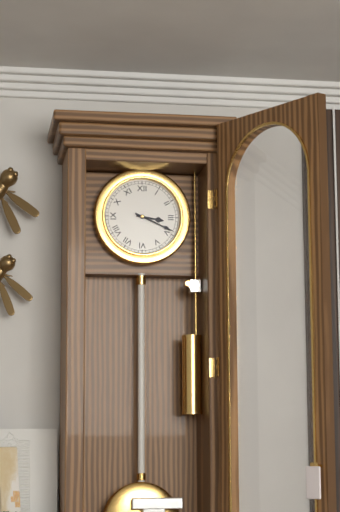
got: h=3 m=19
